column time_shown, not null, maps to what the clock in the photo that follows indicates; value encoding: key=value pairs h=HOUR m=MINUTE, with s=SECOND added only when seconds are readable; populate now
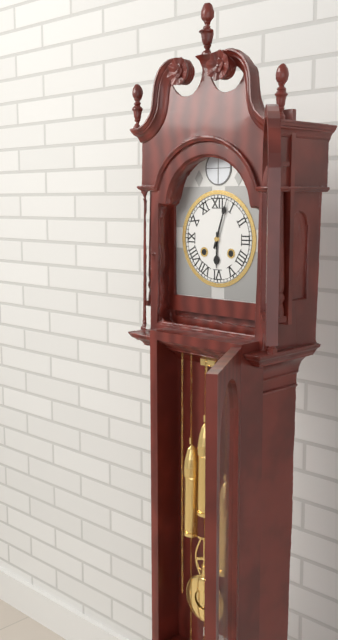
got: h=6 m=3
